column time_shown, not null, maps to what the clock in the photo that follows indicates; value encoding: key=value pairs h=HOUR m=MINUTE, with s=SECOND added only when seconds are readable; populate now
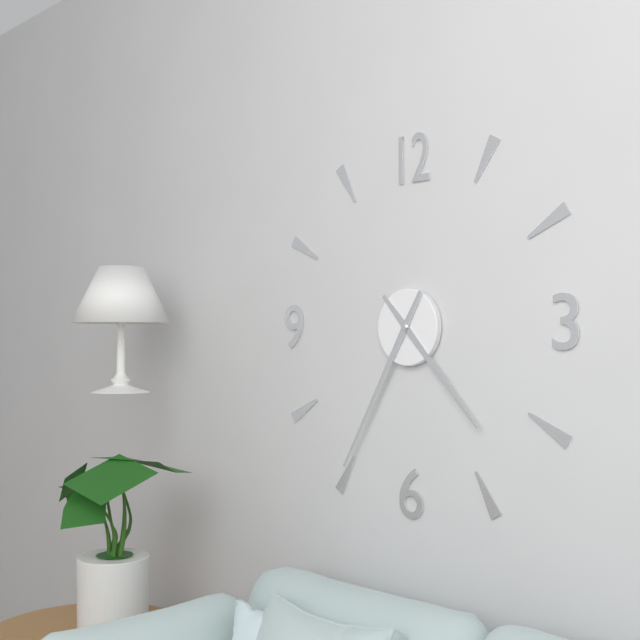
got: h=4 m=35
